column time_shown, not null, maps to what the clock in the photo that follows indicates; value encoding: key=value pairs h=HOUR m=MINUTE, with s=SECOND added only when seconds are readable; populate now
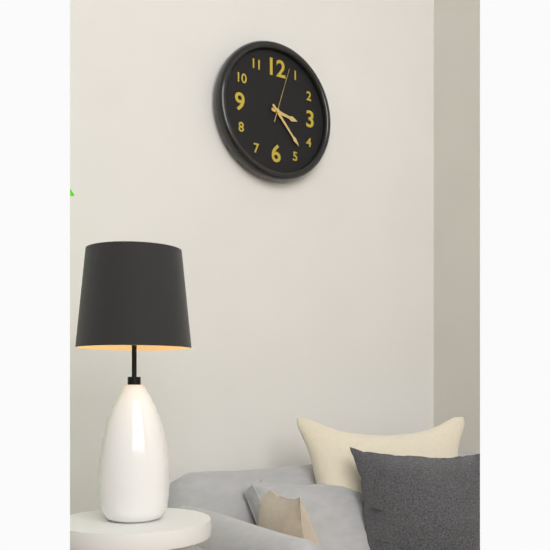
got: h=3 m=23 s=3
